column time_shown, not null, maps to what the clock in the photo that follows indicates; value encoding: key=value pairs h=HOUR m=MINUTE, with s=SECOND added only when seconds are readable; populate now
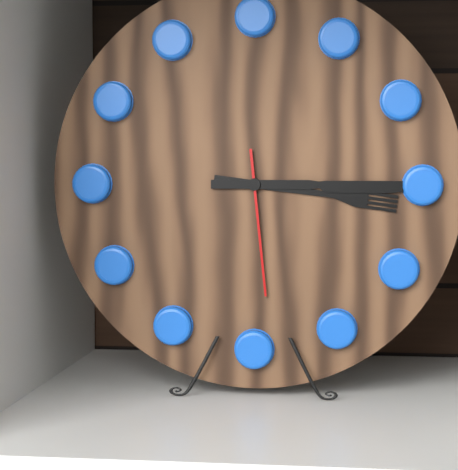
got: h=3 m=15 s=29
